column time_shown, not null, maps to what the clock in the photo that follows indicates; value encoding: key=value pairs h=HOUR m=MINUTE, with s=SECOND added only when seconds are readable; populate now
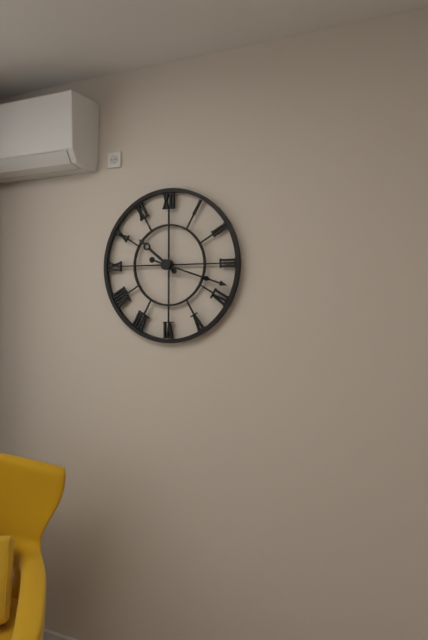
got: h=10 m=18
